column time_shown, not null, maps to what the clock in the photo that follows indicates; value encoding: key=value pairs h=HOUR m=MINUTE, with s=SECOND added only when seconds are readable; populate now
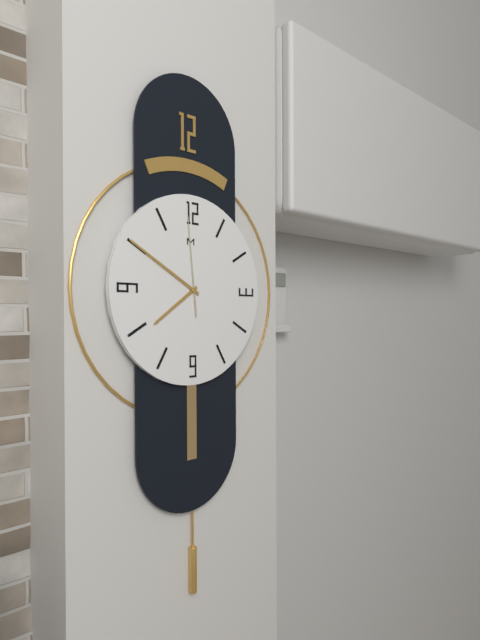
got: h=7 m=50 s=59
